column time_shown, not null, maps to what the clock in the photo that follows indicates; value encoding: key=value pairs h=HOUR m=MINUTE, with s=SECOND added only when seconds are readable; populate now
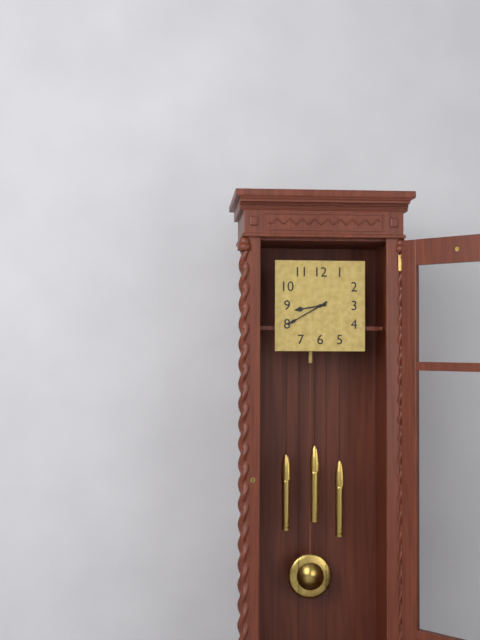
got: h=8 m=40
